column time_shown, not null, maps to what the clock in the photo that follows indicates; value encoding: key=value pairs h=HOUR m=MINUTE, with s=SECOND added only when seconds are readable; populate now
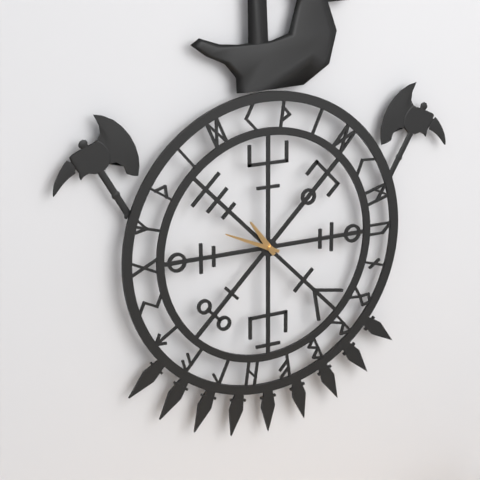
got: h=10 m=49
